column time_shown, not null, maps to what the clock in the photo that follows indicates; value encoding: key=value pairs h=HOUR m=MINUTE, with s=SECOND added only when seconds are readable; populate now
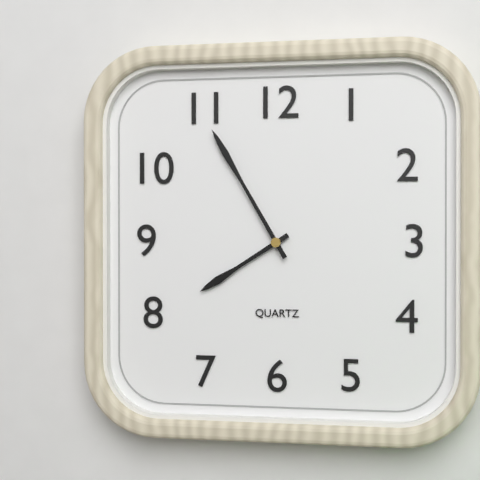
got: h=7 m=55
